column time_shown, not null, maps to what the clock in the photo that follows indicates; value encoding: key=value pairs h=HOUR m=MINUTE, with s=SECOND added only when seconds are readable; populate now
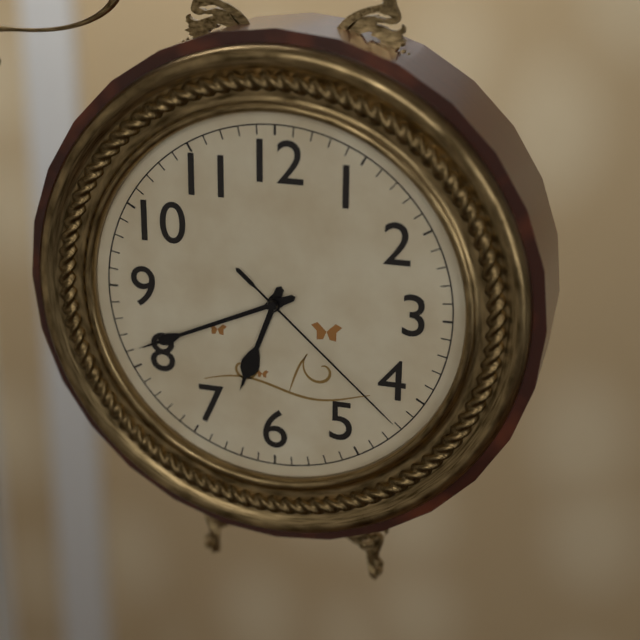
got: h=6 m=41 s=22
